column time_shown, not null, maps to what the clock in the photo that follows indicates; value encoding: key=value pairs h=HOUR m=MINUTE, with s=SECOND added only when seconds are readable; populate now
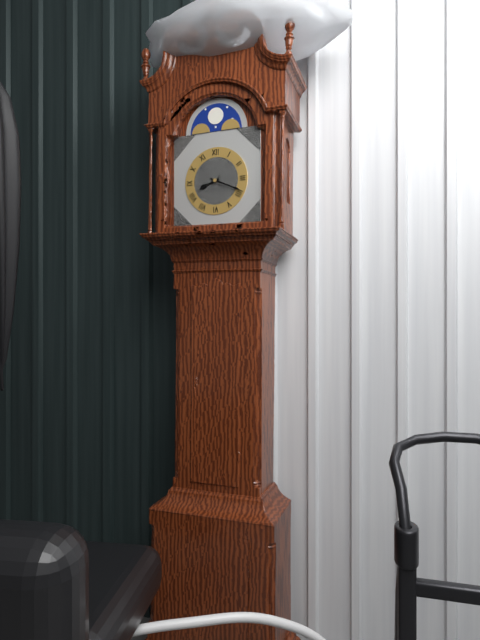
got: h=8 m=19
